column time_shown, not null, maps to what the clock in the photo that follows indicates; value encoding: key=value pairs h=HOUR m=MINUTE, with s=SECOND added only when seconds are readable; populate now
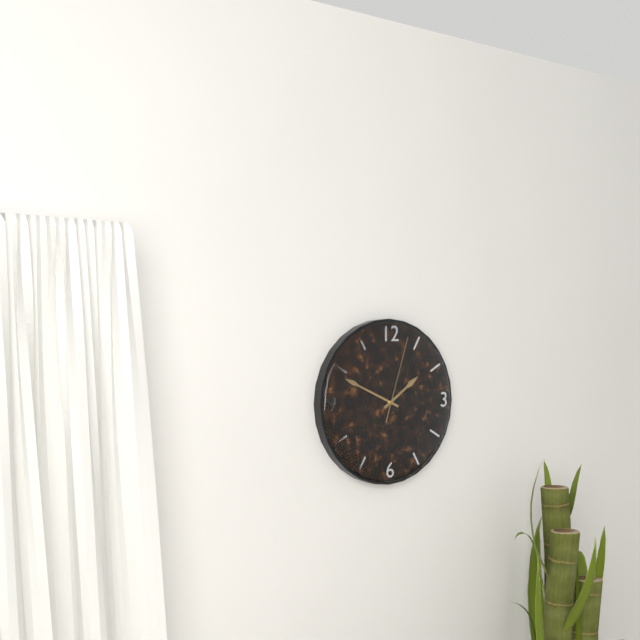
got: h=1 m=49 s=3
